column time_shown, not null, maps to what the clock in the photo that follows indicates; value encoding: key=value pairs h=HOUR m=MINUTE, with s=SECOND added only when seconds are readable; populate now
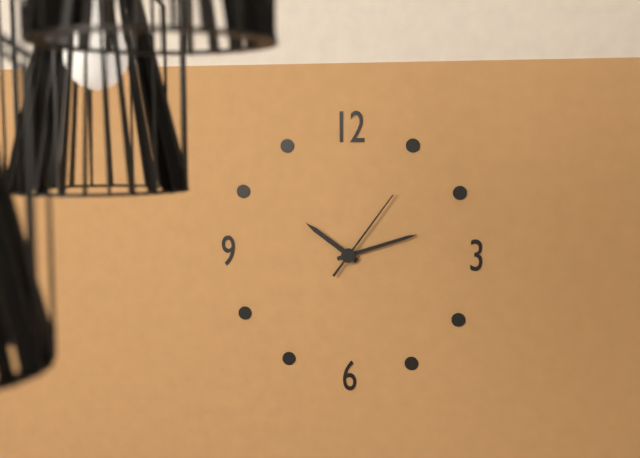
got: h=10 m=12 s=6
